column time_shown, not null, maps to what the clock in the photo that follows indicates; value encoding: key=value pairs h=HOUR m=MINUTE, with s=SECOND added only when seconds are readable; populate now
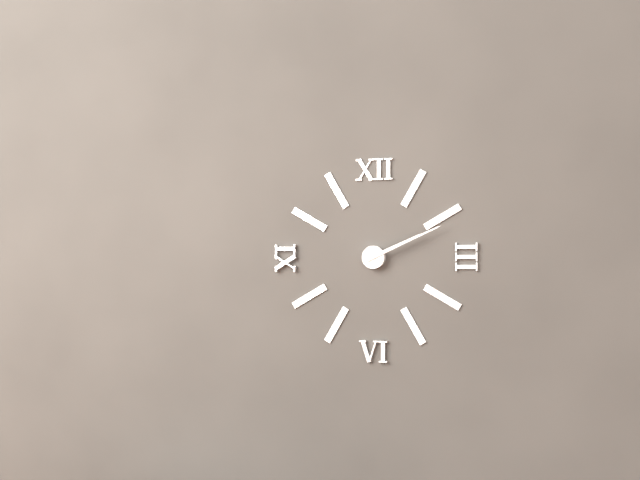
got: h=2 m=11
